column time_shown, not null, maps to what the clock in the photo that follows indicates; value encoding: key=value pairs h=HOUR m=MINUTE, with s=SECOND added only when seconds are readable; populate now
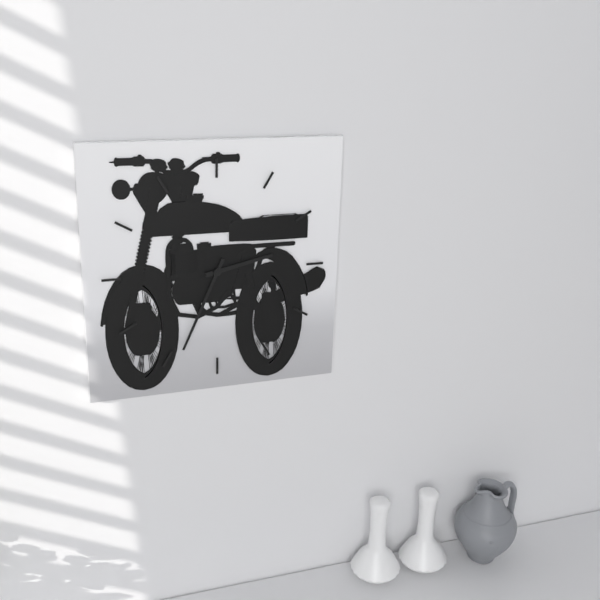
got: h=2 m=34
